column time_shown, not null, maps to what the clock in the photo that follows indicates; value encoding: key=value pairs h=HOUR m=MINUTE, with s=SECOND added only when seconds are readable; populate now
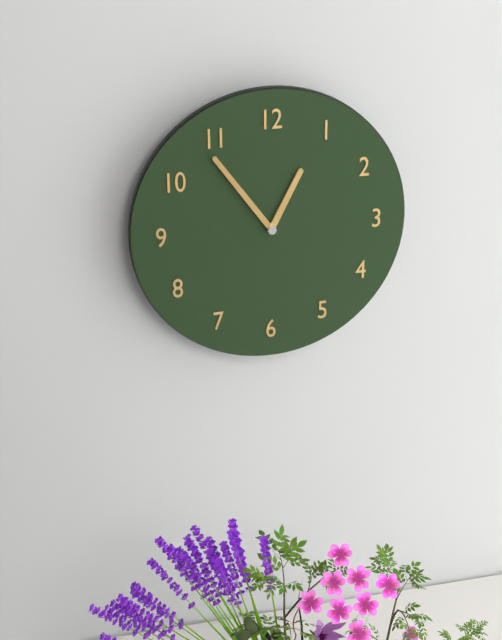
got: h=12 m=54
